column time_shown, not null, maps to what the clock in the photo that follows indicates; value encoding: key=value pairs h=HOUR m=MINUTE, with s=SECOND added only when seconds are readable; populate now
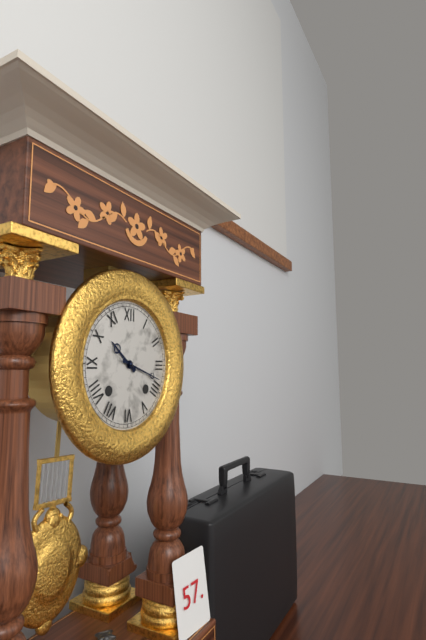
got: h=10 m=18
